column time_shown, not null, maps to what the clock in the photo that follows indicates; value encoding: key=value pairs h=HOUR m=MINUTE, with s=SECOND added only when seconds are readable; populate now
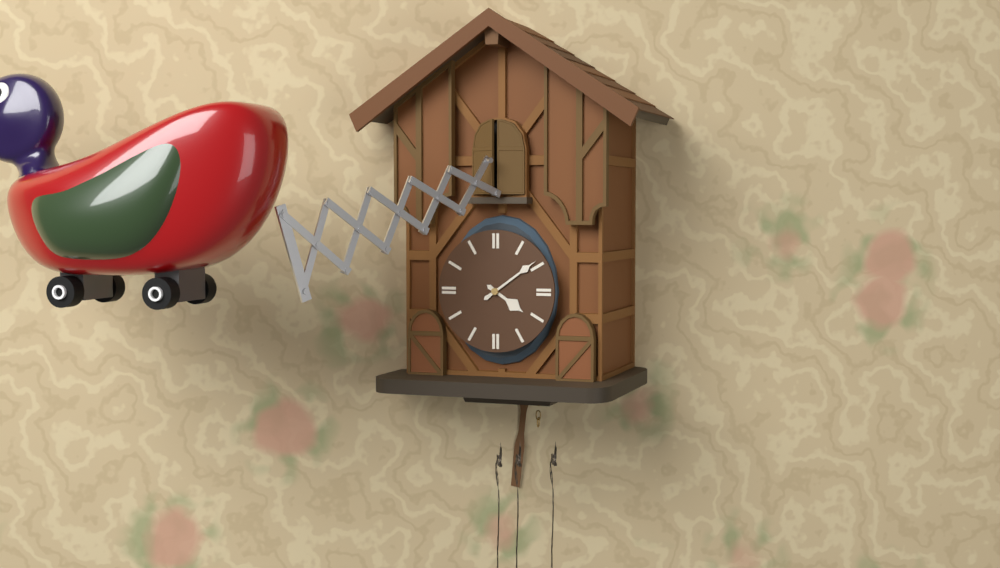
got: h=4 m=9
